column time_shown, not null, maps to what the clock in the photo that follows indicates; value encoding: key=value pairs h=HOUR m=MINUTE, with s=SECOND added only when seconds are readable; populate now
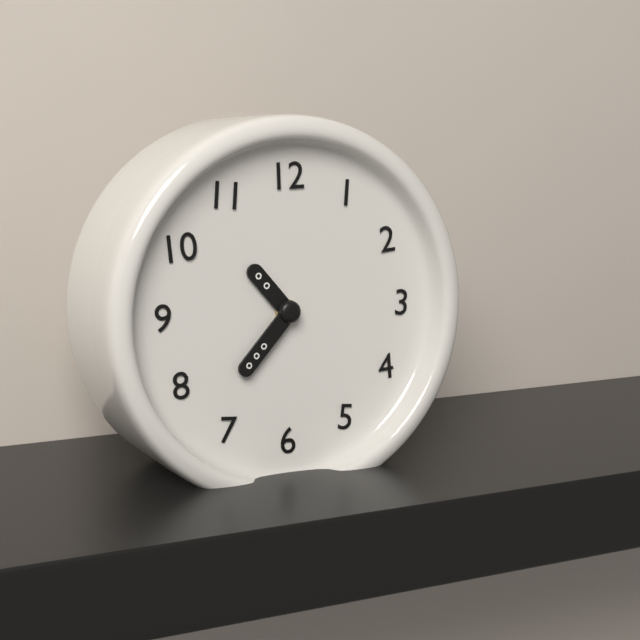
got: h=10 m=37
